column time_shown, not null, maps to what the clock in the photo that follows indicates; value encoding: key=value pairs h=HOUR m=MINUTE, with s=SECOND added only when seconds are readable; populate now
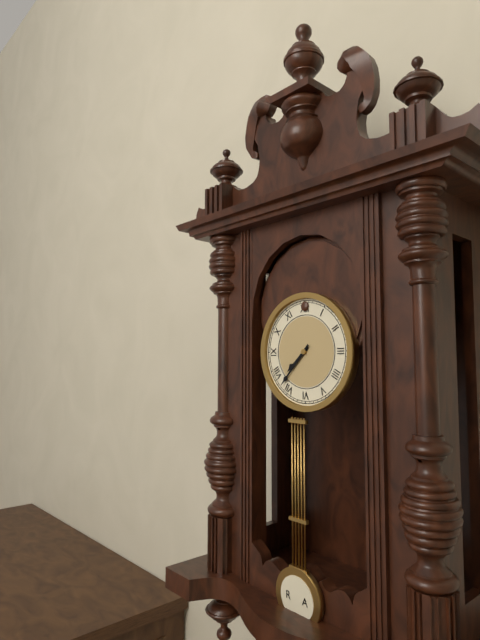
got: h=7 m=37
